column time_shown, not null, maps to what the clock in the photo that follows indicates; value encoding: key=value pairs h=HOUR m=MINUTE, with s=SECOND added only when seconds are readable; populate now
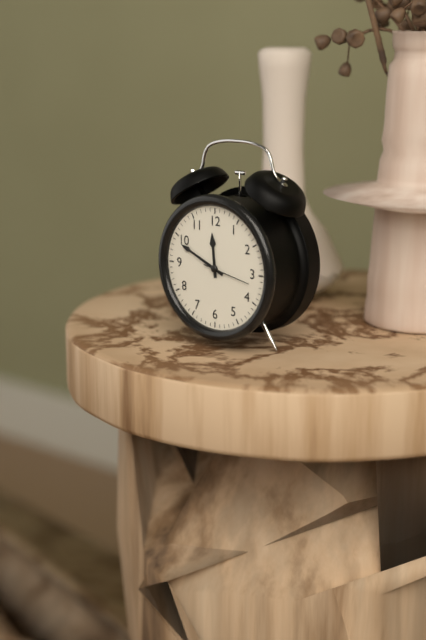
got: h=11 m=49
